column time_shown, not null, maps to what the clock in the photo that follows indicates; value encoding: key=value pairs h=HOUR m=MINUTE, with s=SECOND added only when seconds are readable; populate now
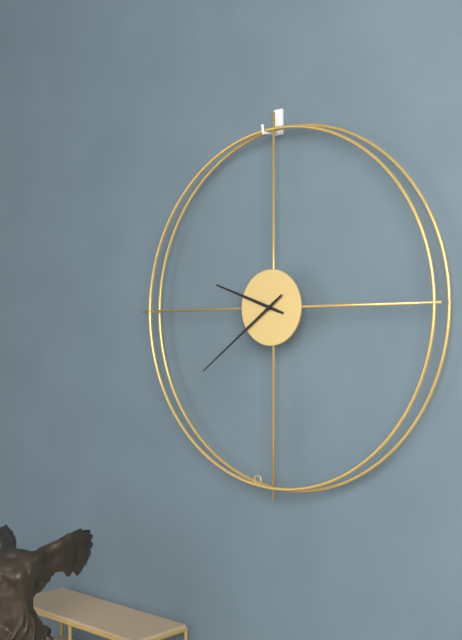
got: h=9 m=39
